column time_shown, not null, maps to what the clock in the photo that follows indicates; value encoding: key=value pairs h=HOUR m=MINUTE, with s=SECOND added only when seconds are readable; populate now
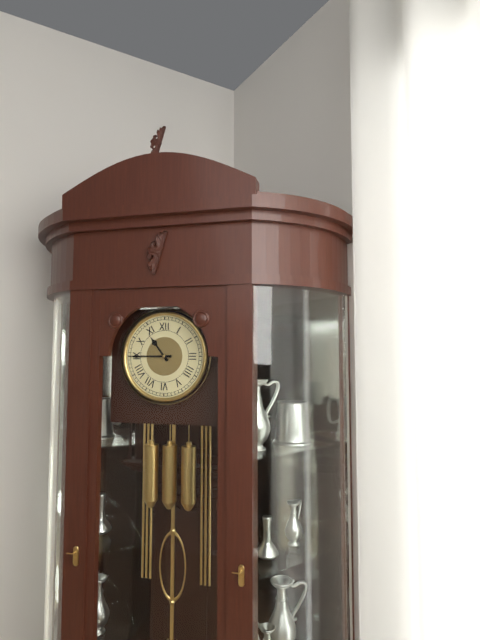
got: h=10 m=45
